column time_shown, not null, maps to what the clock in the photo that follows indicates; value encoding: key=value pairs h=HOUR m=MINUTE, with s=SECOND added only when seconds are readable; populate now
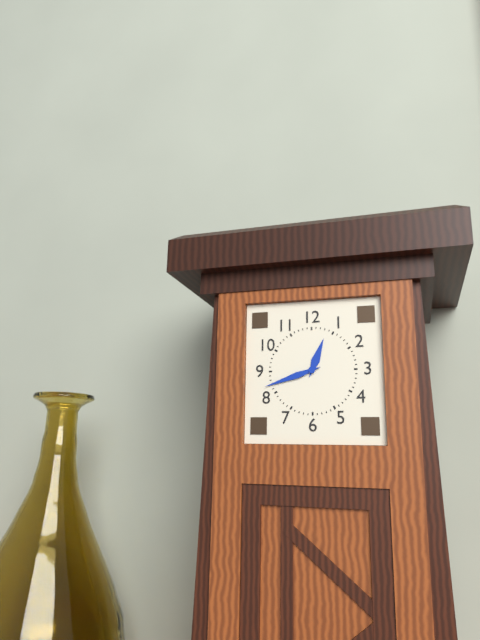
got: h=12 m=42
